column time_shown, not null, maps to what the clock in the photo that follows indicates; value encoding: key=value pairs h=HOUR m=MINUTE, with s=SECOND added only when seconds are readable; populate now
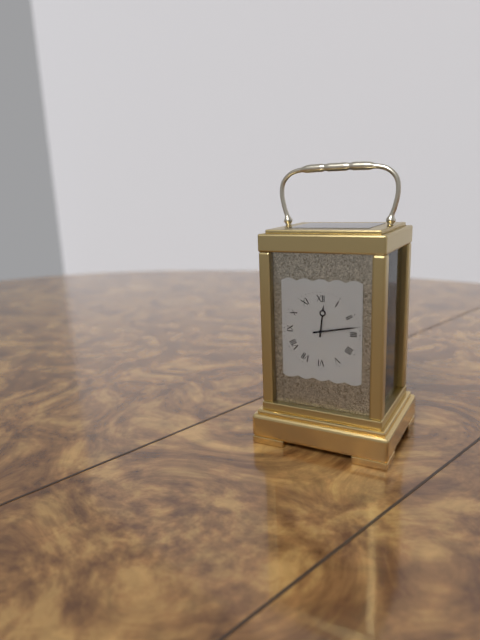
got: h=12 m=13
